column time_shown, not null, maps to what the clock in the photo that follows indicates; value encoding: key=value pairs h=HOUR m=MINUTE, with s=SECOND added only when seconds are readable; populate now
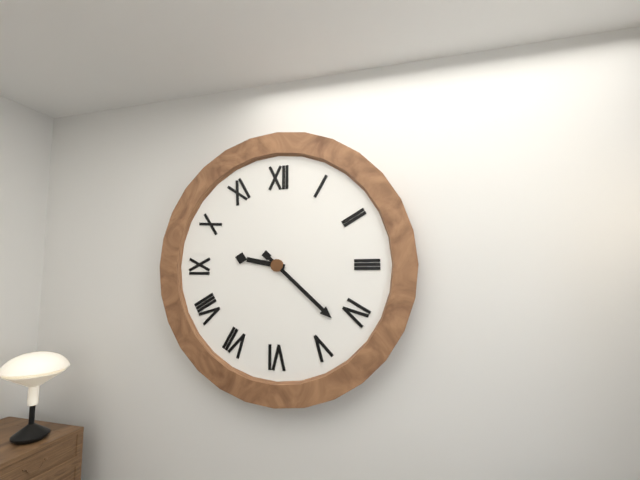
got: h=9 m=22
